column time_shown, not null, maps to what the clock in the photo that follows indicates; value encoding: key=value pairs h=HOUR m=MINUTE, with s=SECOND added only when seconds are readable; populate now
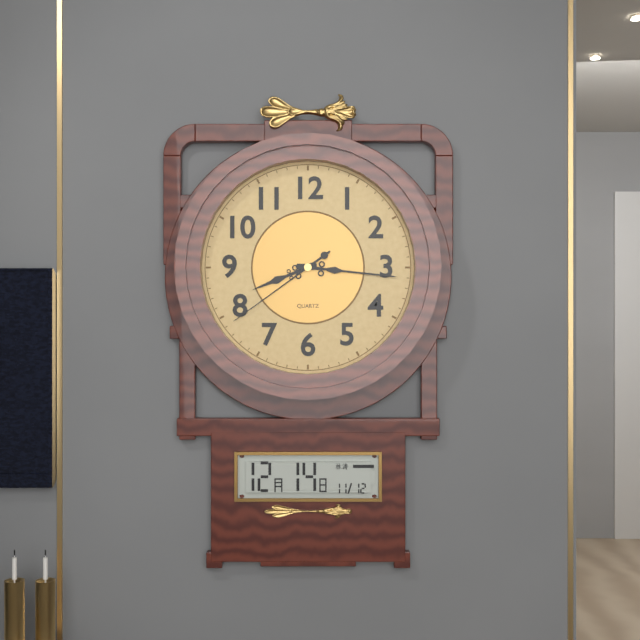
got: h=8 m=16 s=39
